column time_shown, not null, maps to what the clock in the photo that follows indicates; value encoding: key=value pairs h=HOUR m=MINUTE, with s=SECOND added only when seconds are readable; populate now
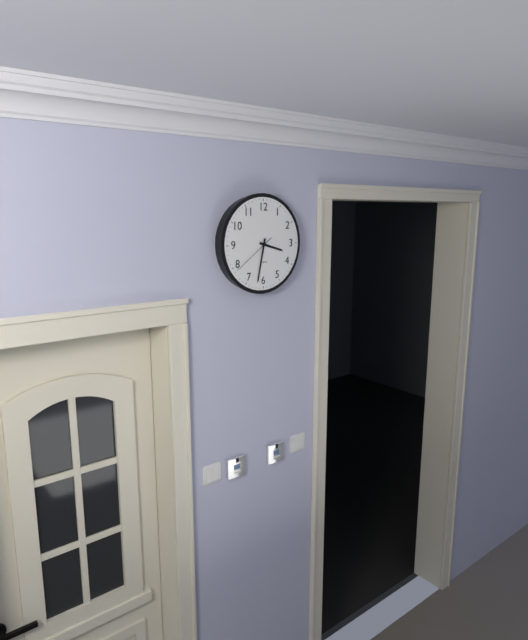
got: h=3 m=32
